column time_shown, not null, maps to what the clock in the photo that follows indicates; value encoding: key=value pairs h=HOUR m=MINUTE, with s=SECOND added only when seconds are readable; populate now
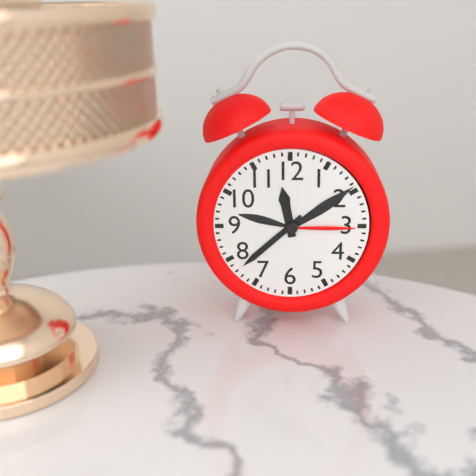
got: h=11 m=38
